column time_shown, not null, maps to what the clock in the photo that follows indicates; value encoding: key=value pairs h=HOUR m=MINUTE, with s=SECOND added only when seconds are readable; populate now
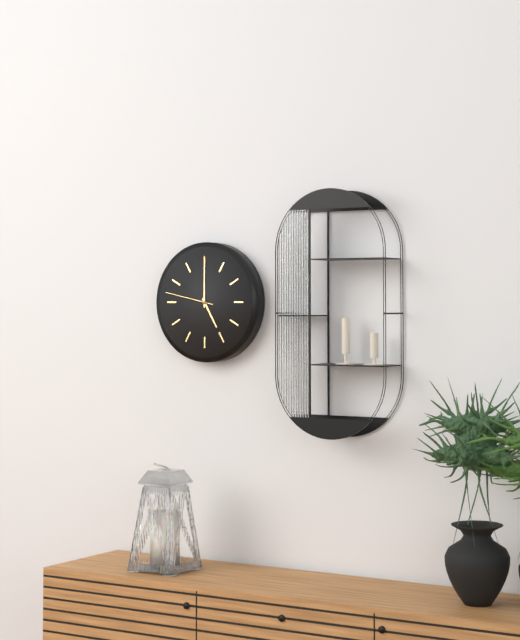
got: h=5 m=0
